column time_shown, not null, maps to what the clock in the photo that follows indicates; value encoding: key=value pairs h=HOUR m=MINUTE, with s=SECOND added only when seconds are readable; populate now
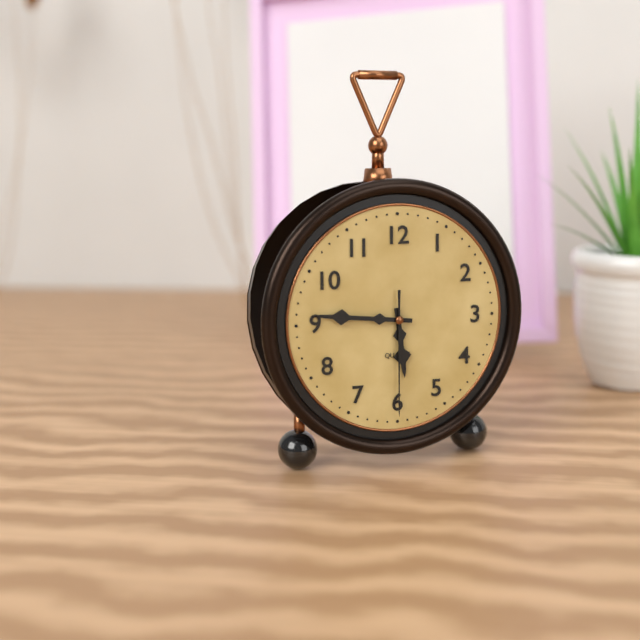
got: h=5 m=46 s=30
